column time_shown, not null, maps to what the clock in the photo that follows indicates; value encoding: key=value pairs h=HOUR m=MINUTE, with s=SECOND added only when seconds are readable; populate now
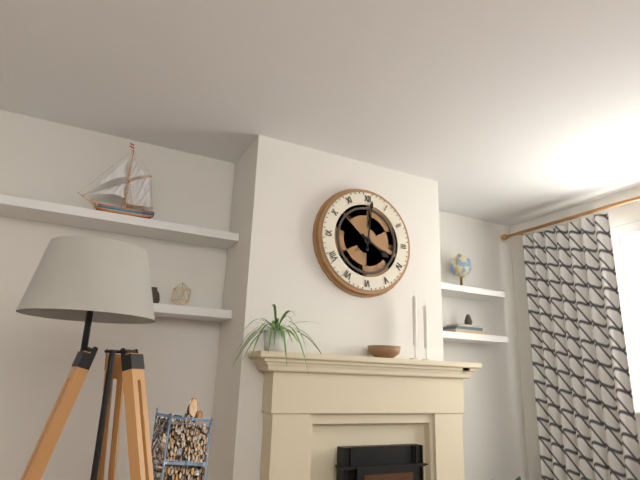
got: h=4 m=1
